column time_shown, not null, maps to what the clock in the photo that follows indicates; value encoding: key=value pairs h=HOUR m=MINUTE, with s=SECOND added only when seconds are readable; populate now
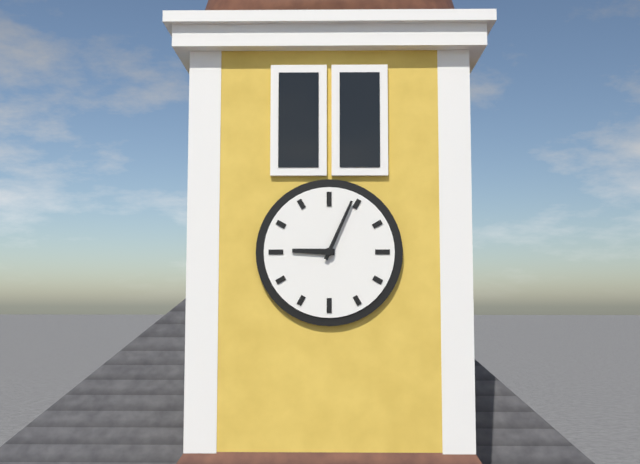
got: h=9 m=4
